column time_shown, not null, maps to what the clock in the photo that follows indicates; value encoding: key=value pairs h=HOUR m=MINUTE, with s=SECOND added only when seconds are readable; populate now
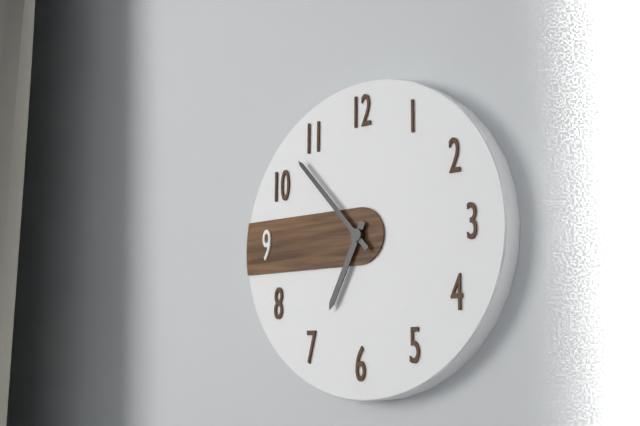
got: h=6 m=53
